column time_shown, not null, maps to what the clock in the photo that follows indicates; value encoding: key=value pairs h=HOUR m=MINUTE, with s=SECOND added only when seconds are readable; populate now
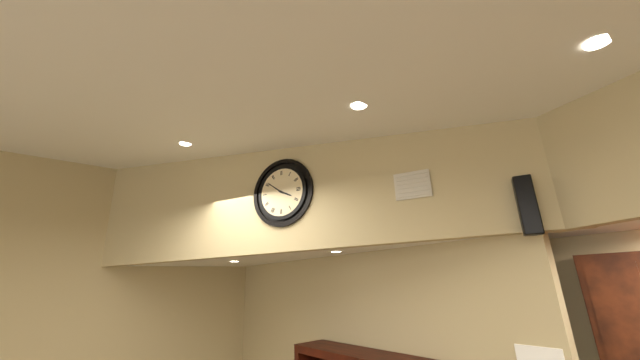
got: h=3 m=51
